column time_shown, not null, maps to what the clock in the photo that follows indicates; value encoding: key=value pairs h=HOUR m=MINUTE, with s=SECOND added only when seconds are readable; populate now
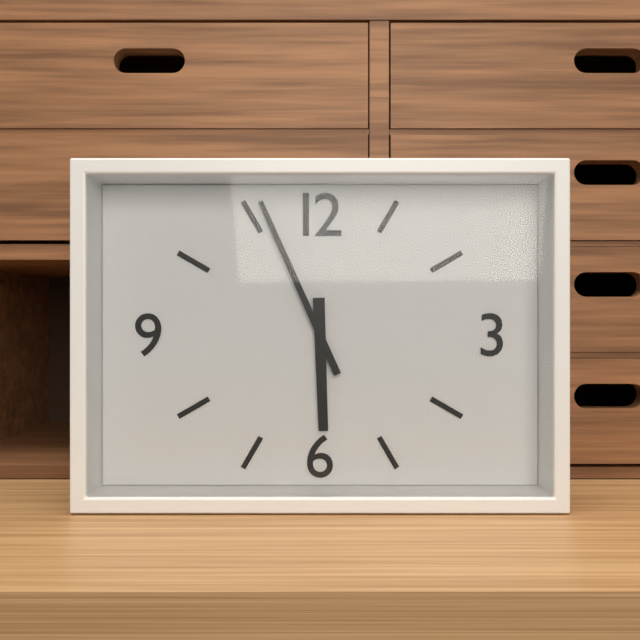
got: h=5 m=56
